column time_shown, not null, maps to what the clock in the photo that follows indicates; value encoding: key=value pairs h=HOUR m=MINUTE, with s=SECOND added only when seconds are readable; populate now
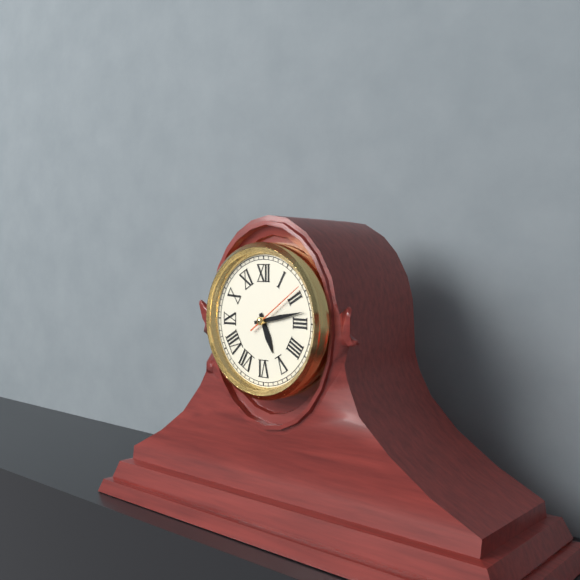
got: h=5 m=13 s=9
